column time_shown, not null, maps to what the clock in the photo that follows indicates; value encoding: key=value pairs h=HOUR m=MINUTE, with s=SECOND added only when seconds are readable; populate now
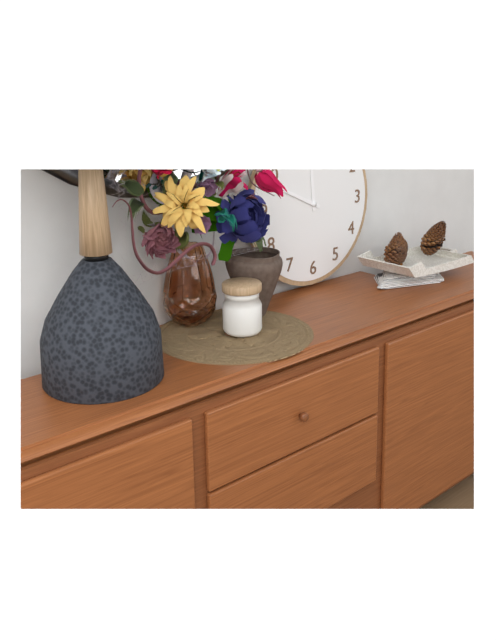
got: h=11 m=49
